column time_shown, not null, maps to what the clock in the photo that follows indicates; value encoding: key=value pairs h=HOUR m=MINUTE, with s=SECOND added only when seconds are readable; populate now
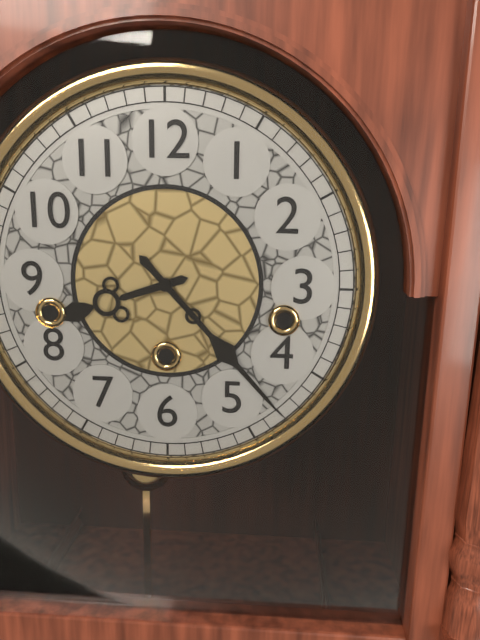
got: h=8 m=23
